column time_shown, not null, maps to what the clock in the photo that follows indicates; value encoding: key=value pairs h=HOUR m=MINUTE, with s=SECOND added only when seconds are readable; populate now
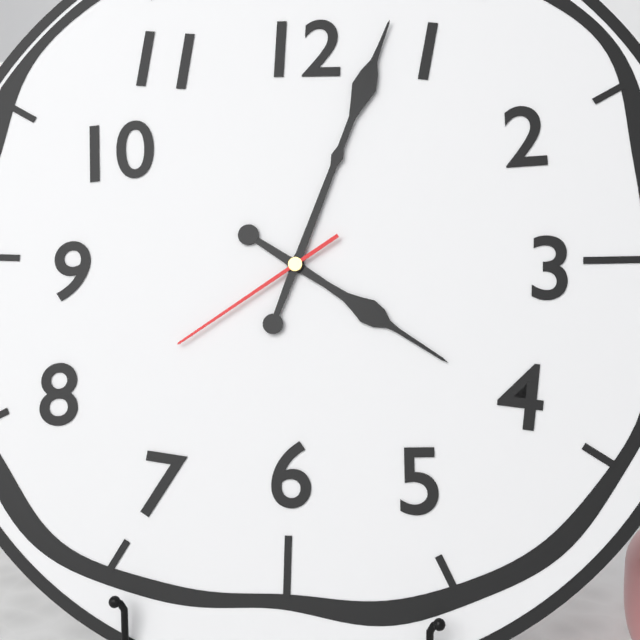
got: h=4 m=3 s=39
